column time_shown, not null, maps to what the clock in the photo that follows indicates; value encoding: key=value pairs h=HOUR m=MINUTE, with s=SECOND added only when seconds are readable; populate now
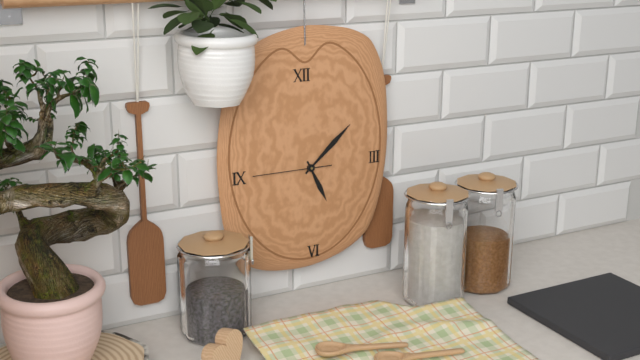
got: h=5 m=8 s=45
